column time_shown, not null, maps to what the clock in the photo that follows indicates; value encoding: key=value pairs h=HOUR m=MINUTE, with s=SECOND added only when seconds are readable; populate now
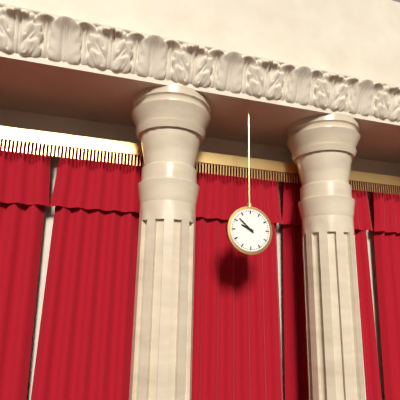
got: h=9 m=52
